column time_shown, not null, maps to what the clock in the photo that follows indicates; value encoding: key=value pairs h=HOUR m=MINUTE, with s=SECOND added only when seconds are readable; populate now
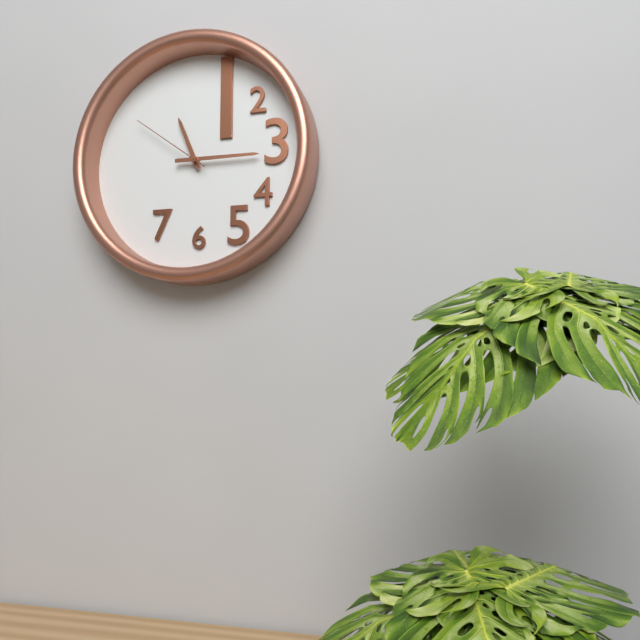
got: h=11 m=15 s=51
